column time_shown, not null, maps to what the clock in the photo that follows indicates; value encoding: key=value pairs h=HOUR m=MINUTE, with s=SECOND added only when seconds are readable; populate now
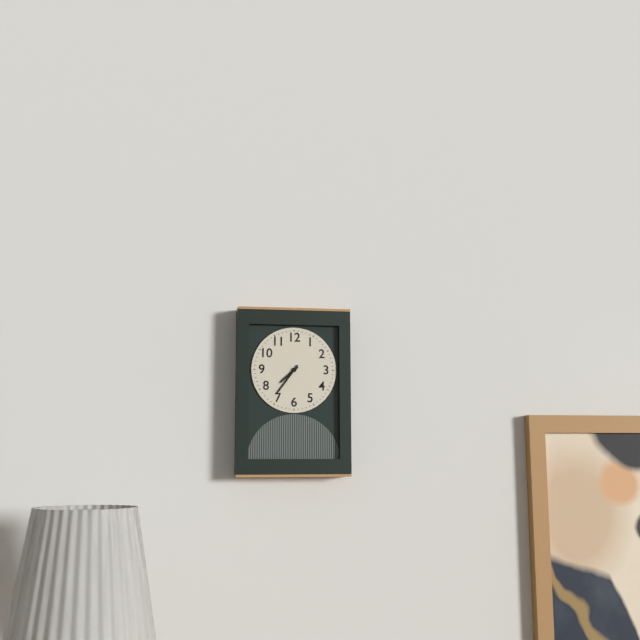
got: h=7 m=36
